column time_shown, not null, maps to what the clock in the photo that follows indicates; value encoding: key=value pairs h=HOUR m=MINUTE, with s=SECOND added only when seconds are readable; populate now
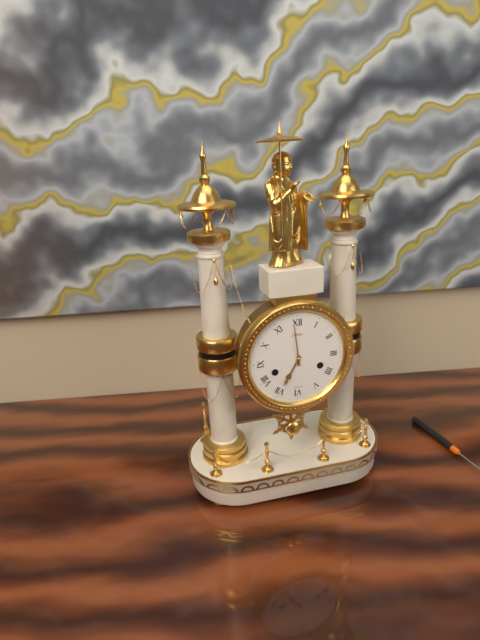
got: h=6 m=59
